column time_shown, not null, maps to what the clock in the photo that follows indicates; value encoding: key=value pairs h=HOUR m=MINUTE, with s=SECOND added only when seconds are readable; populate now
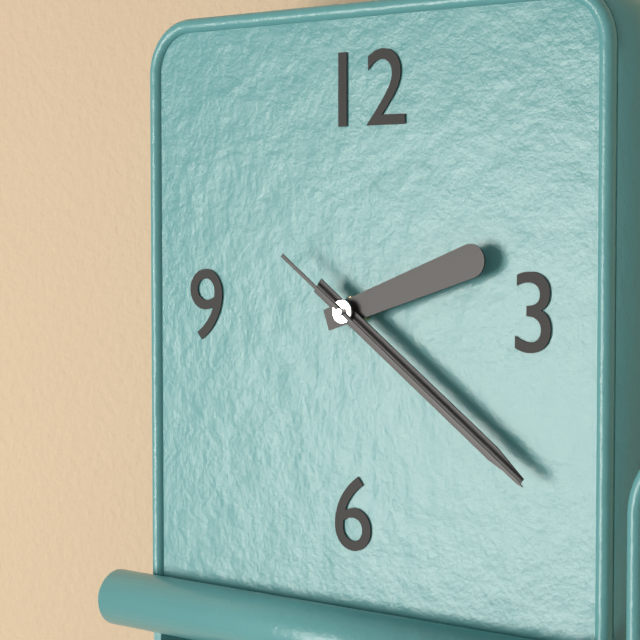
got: h=2 m=21 s=21
